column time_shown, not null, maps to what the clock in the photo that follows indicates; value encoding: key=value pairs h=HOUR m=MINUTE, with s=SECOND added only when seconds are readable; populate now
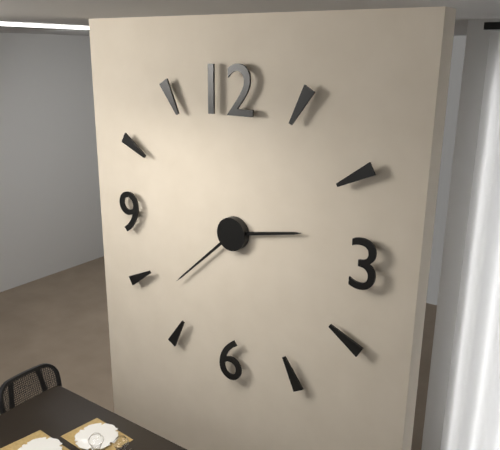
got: h=2 m=38
